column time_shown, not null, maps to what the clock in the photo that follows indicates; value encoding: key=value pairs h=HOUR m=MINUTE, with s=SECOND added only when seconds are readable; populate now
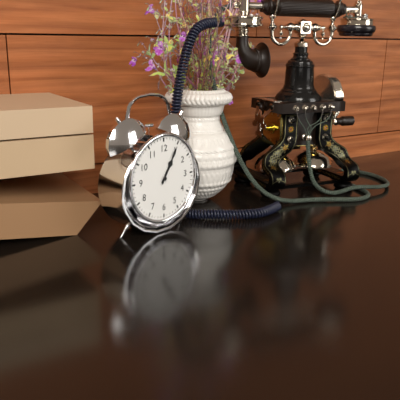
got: h=1 m=5
